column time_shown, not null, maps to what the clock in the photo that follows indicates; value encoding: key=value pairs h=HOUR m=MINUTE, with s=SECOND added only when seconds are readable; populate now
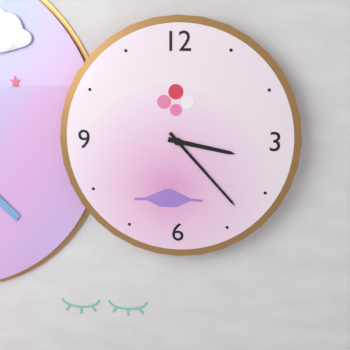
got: h=3 m=23
